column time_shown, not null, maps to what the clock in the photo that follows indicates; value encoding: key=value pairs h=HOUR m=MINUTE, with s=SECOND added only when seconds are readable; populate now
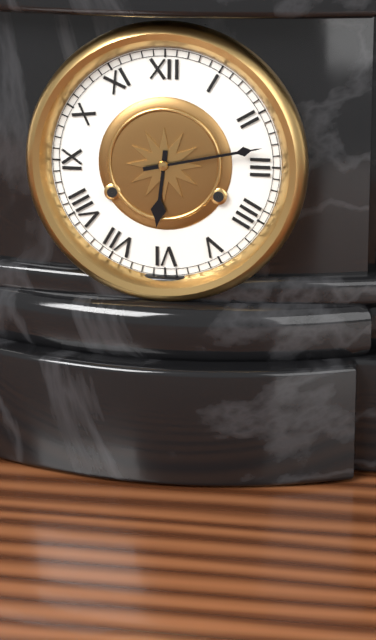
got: h=6 m=13
